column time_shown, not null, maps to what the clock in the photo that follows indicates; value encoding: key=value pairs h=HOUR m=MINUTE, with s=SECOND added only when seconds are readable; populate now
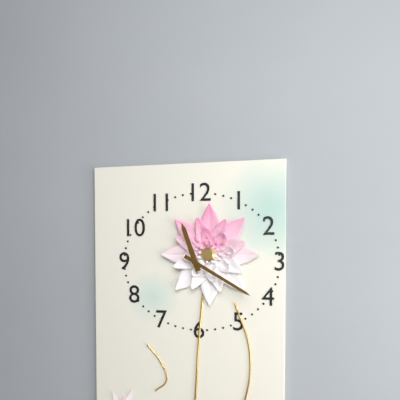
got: h=11 m=20
